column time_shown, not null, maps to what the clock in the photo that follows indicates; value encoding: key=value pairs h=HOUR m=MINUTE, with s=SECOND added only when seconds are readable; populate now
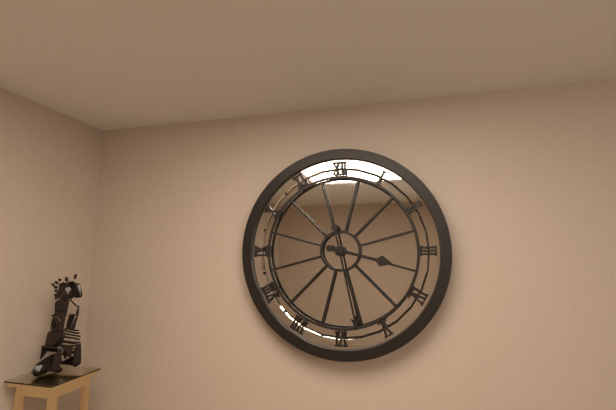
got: h=3 m=28
